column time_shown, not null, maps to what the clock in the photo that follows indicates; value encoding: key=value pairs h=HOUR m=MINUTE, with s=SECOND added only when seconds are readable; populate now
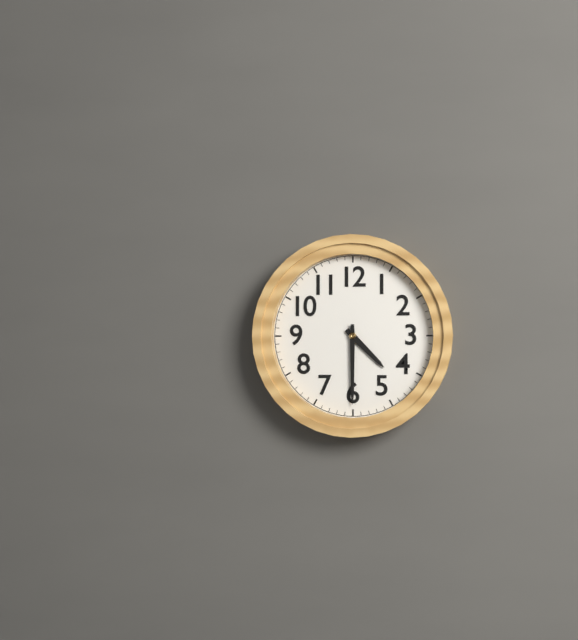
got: h=4 m=30
